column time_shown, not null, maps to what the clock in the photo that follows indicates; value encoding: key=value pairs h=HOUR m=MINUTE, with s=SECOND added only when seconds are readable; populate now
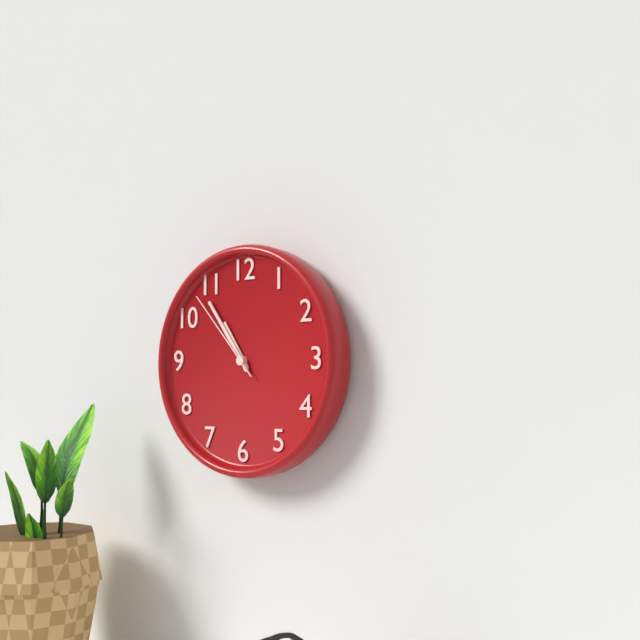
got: h=10 m=54 s=53
